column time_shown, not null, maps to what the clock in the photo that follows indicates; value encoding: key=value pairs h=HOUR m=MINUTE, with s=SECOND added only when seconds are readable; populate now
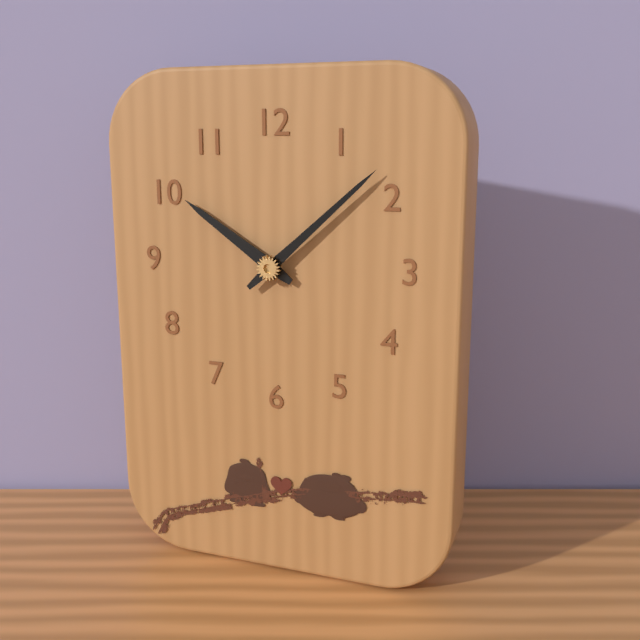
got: h=10 m=8
